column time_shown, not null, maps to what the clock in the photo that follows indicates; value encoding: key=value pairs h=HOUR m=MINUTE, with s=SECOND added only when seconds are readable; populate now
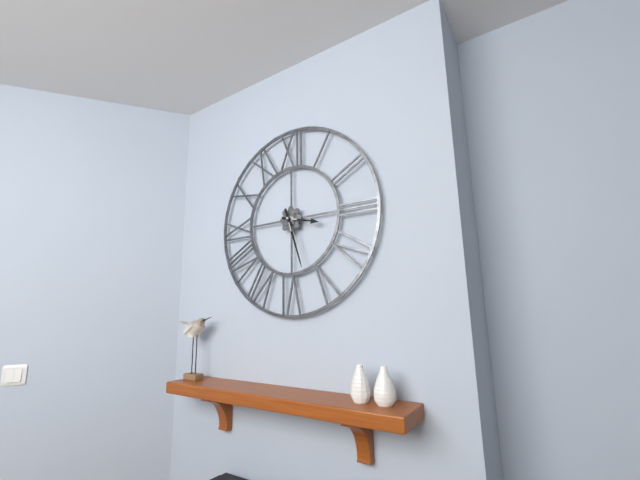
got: h=3 m=27
